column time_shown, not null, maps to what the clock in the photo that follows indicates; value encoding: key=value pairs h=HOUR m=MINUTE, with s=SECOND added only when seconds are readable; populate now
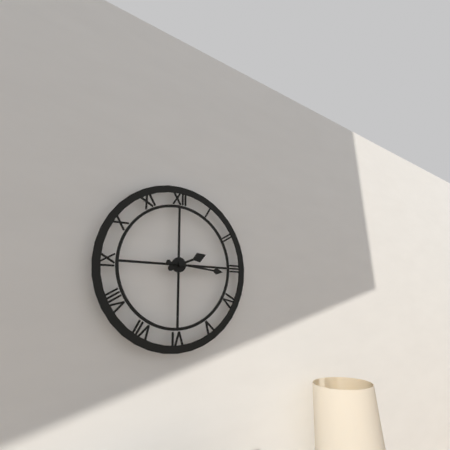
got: h=2 m=16
